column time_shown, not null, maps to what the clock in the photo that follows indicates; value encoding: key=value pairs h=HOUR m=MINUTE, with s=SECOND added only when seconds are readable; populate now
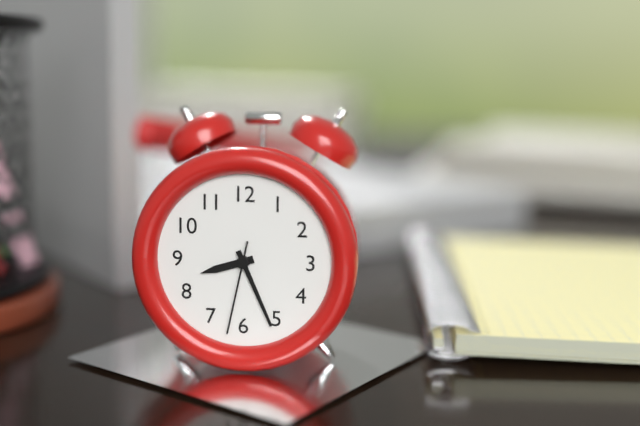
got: h=8 m=26 s=32
